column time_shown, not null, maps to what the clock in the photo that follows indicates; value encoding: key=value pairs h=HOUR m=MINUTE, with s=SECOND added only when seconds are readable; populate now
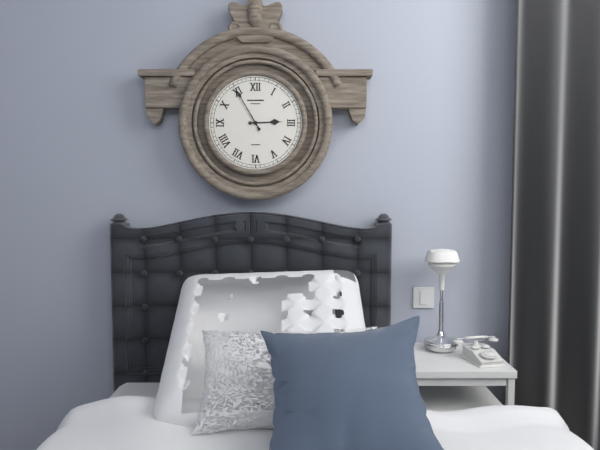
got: h=2 m=55
